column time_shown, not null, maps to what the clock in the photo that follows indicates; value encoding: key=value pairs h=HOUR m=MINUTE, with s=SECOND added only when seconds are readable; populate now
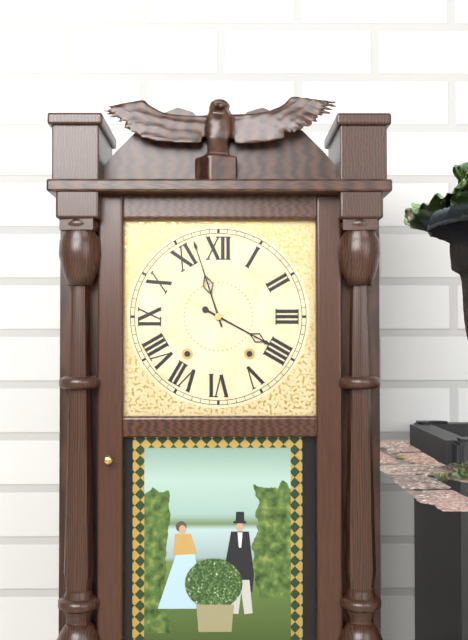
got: h=3 m=57
